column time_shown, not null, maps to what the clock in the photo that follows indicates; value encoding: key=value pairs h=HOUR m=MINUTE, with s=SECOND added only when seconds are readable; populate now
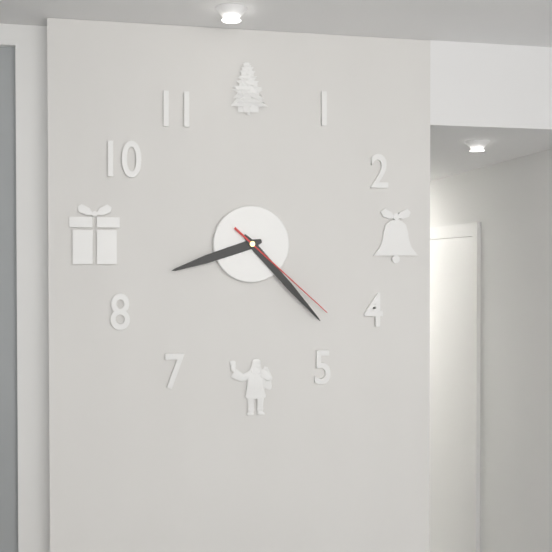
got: h=8 m=23 s=22
